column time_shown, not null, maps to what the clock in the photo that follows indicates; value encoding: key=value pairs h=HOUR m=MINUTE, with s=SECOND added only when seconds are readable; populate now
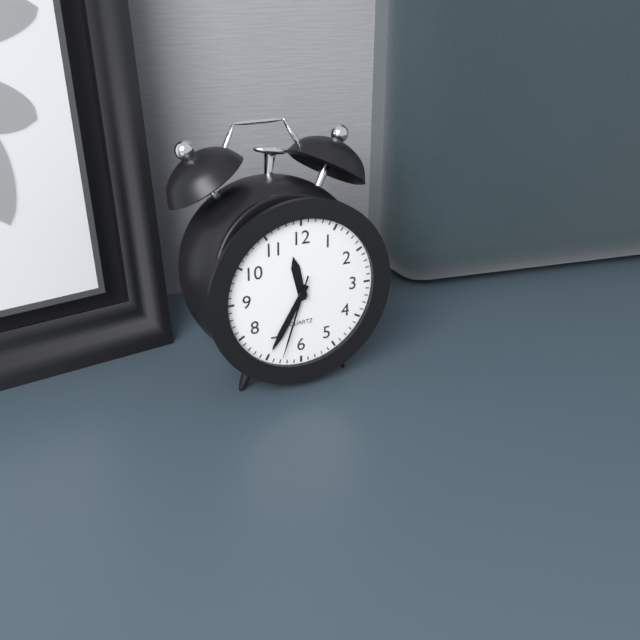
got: h=11 m=35 s=33
